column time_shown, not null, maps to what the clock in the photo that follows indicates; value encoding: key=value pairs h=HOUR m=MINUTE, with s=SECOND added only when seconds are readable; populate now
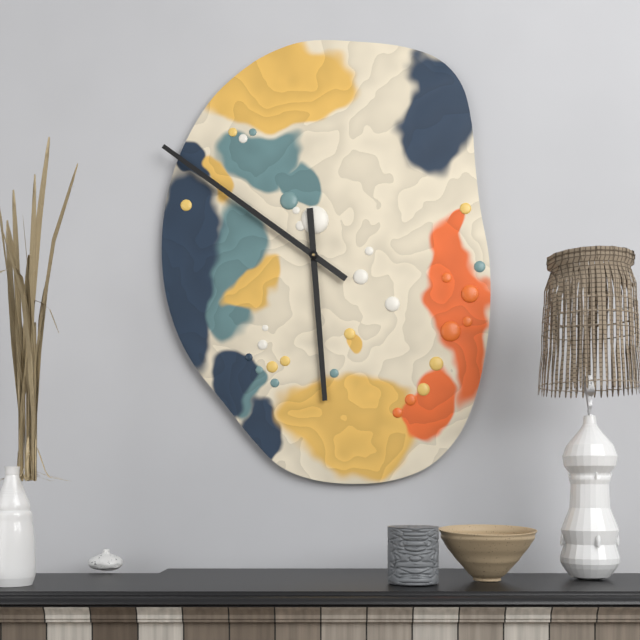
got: h=5 m=51
